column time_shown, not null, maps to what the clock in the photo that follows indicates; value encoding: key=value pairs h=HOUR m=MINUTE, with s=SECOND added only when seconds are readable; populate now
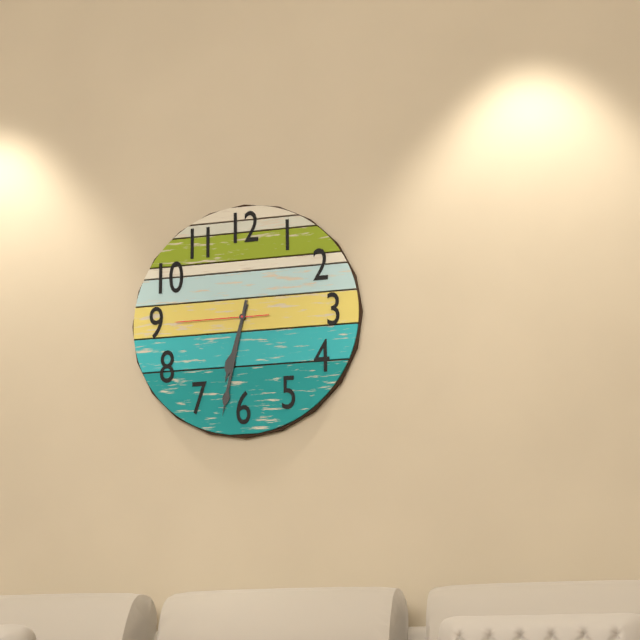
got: h=6 m=32 s=45
